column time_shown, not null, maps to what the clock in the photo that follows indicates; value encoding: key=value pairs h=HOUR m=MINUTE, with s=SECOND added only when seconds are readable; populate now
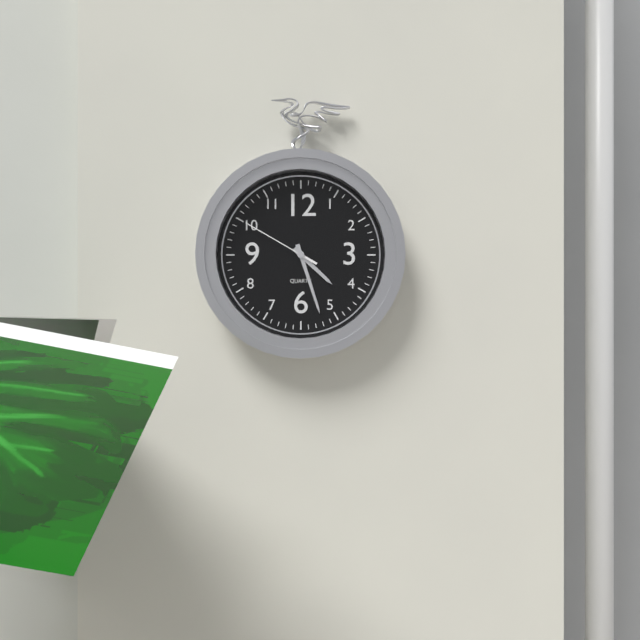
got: h=4 m=27 s=50
